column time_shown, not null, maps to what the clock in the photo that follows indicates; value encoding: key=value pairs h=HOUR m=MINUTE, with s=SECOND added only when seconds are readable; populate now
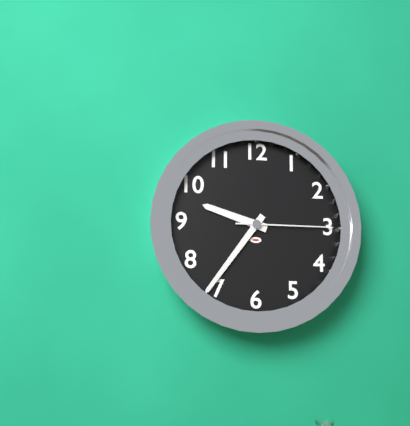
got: h=9 m=36 s=15
